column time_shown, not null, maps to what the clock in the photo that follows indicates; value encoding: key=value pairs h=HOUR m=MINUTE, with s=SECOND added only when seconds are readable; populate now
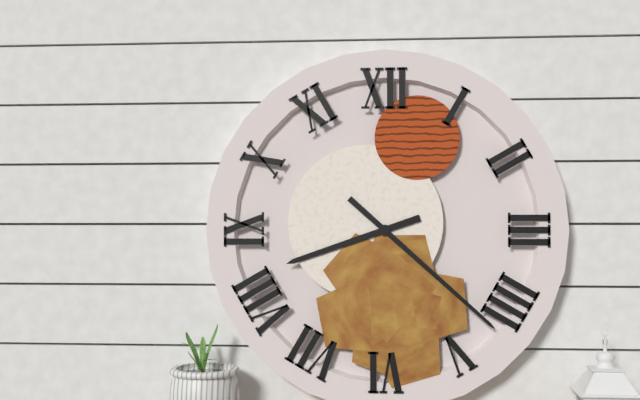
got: h=8 m=22
